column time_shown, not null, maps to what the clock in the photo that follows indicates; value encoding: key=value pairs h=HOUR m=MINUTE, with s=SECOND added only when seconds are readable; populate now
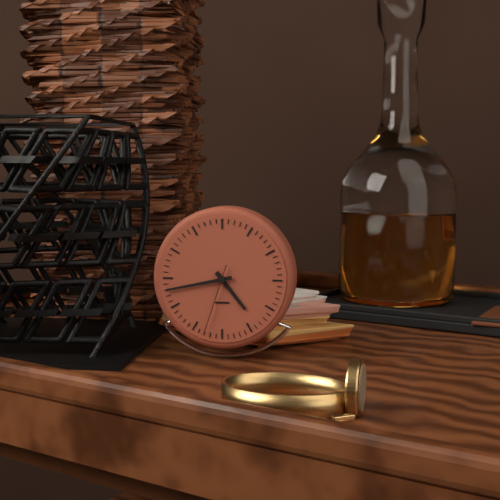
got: h=4 m=43 s=33
